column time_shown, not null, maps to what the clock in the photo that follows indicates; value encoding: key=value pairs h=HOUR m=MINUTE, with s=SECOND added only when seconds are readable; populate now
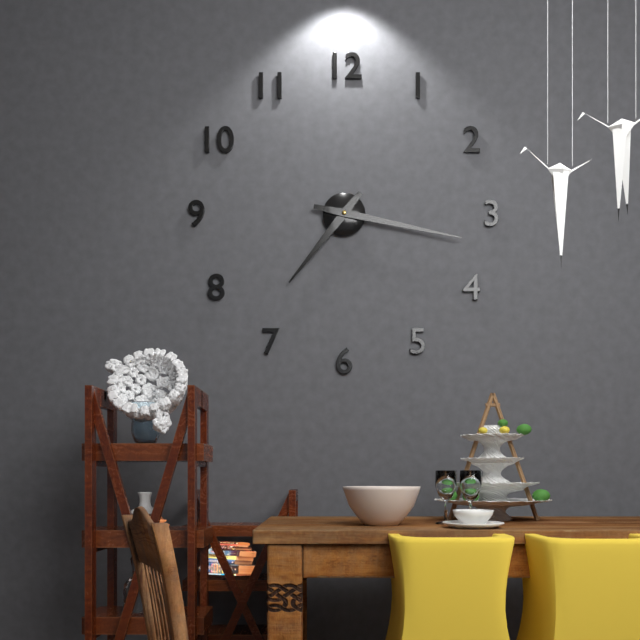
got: h=7 m=17
